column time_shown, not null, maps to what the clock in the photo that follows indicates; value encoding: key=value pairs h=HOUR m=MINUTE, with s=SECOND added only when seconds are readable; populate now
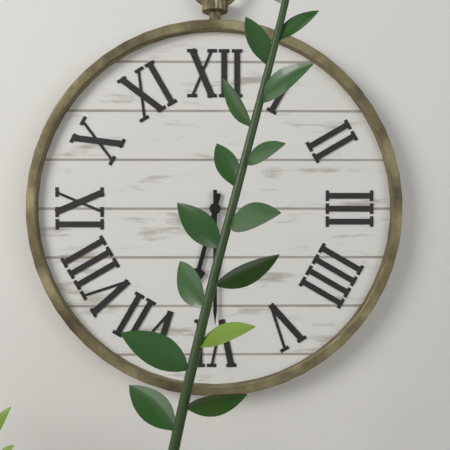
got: h=6 m=30
